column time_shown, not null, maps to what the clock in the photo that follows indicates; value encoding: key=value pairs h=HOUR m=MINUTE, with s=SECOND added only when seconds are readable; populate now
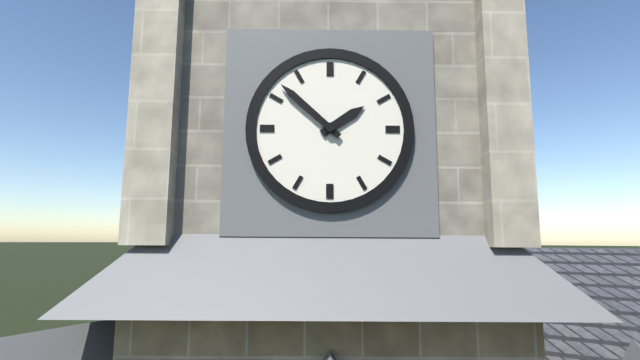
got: h=1 m=52
